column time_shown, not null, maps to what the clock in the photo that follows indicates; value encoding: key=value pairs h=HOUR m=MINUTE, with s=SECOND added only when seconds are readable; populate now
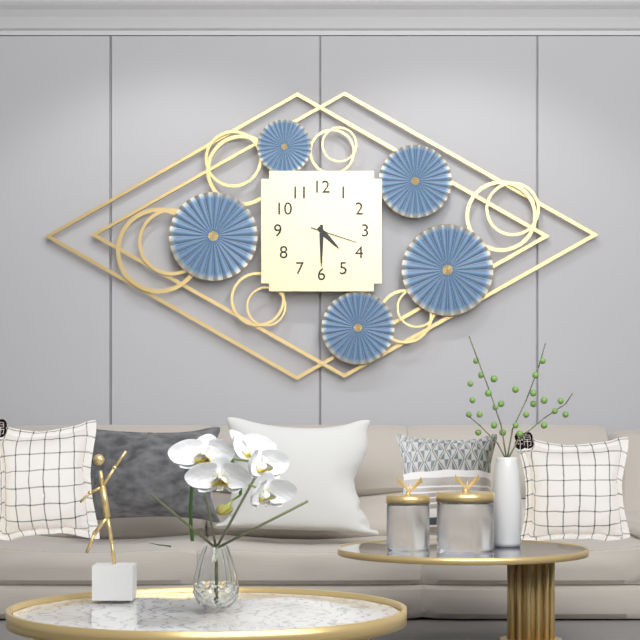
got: h=4 m=30
